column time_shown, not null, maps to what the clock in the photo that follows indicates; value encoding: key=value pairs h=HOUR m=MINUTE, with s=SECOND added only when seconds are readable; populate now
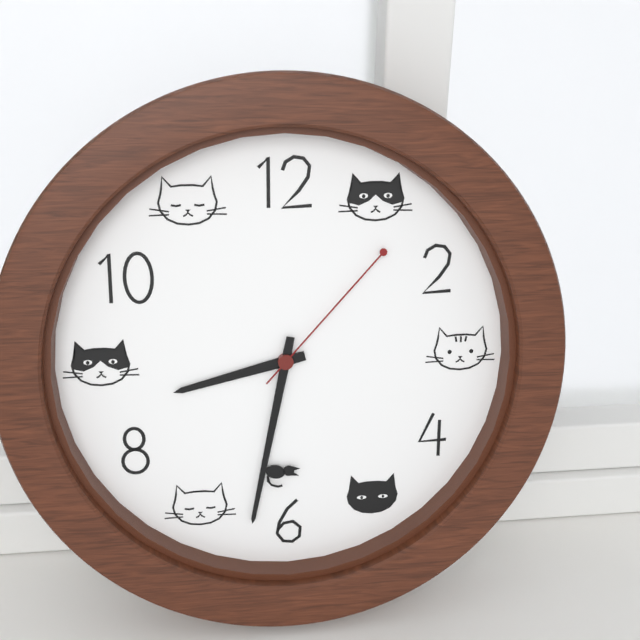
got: h=8 m=32 s=7
